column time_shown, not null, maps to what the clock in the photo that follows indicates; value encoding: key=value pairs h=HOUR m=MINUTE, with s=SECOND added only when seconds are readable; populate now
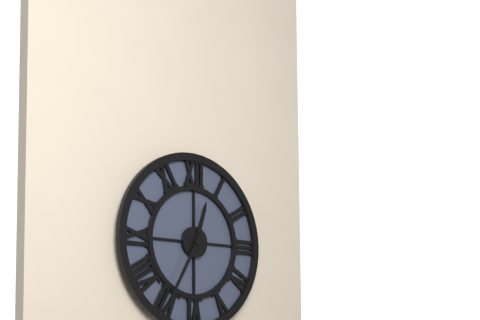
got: h=12 m=35
